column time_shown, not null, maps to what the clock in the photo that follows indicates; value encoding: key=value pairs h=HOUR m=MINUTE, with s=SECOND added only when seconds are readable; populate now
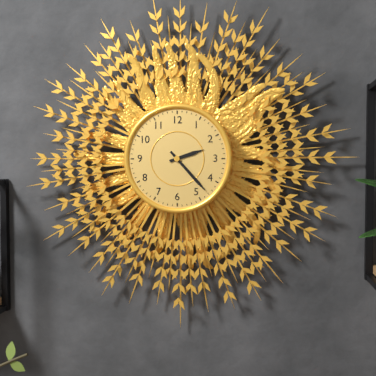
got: h=2 m=23
